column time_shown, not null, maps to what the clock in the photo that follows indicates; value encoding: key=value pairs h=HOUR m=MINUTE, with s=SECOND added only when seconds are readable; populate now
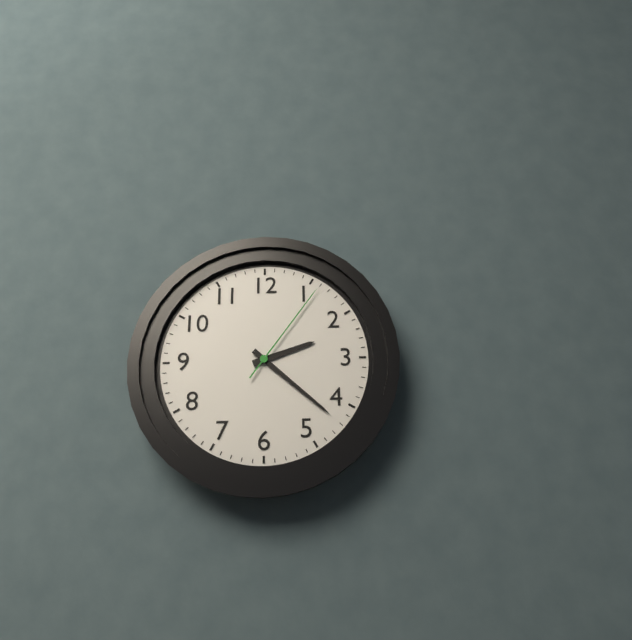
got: h=2 m=22 s=6
